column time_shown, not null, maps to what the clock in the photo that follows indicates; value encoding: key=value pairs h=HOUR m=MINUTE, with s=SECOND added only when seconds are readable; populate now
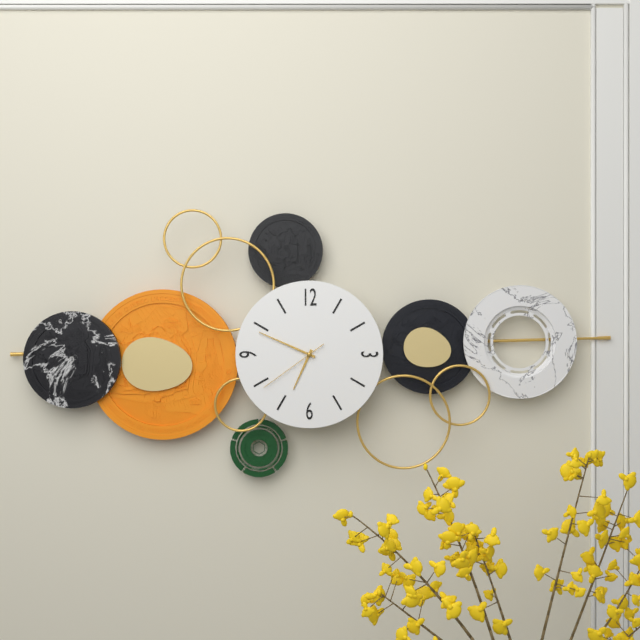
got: h=6 m=49 s=39
